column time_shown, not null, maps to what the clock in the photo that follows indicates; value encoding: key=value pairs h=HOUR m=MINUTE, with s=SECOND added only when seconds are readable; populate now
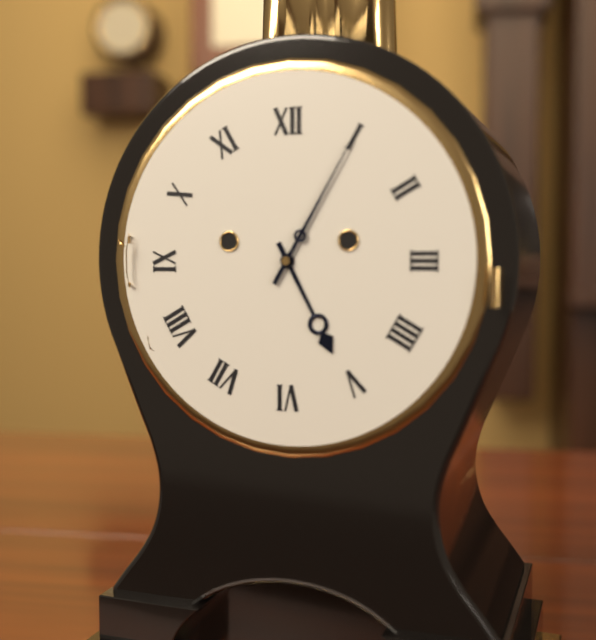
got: h=5 m=5
